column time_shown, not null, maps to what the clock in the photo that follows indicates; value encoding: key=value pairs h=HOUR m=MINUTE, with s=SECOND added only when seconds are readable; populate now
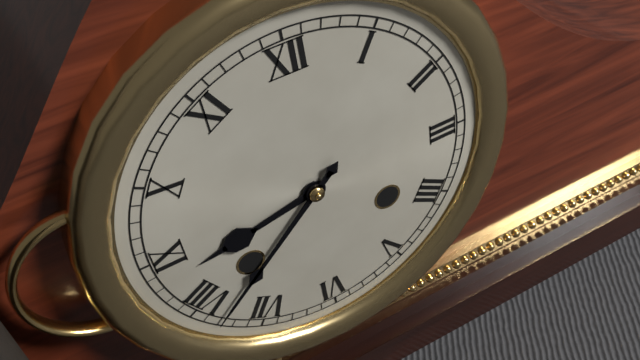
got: h=8 m=38
